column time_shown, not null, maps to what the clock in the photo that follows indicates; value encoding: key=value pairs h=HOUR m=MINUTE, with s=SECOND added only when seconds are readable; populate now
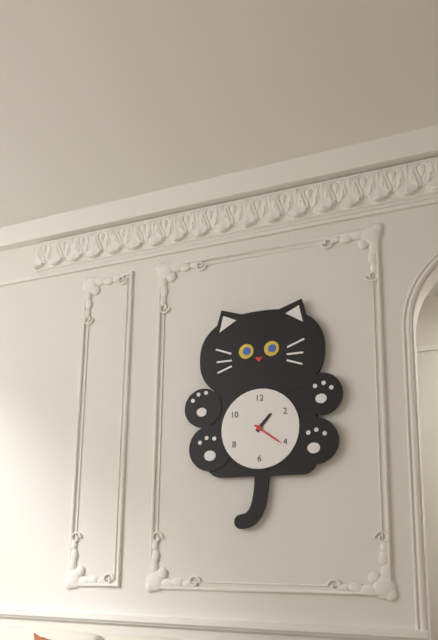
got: h=1 m=21
